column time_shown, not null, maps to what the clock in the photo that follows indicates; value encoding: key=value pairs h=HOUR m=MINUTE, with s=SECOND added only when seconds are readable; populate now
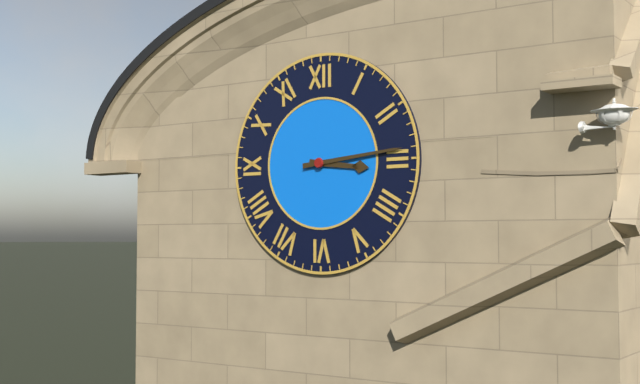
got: h=3 m=14
